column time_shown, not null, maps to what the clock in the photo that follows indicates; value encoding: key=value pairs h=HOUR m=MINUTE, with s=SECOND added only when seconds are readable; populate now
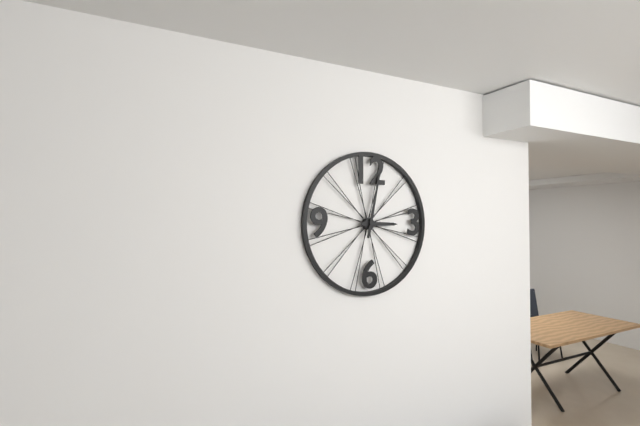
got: h=3 m=2
